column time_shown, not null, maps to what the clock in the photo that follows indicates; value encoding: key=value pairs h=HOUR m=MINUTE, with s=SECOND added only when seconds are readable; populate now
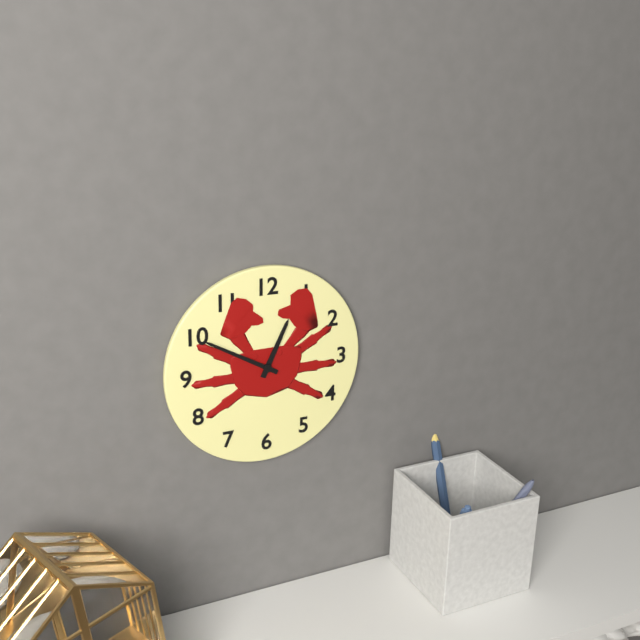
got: h=12 m=50
